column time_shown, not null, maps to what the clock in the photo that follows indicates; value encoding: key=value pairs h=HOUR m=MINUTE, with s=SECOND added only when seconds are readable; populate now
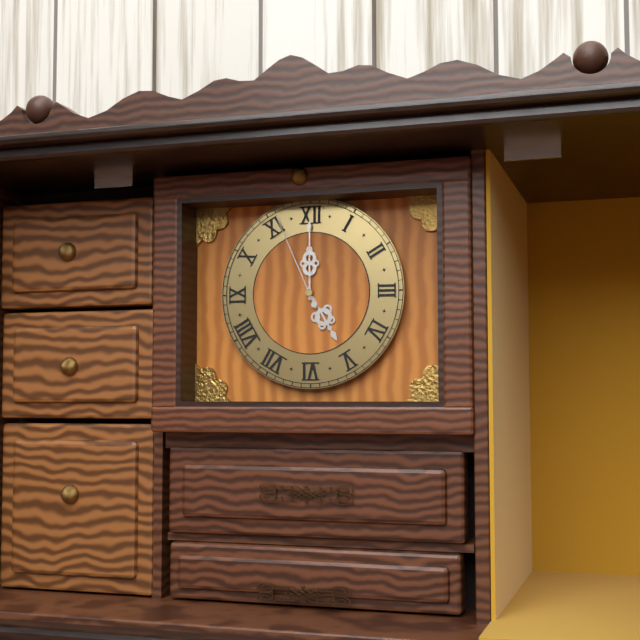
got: h=5 m=0 s=56
